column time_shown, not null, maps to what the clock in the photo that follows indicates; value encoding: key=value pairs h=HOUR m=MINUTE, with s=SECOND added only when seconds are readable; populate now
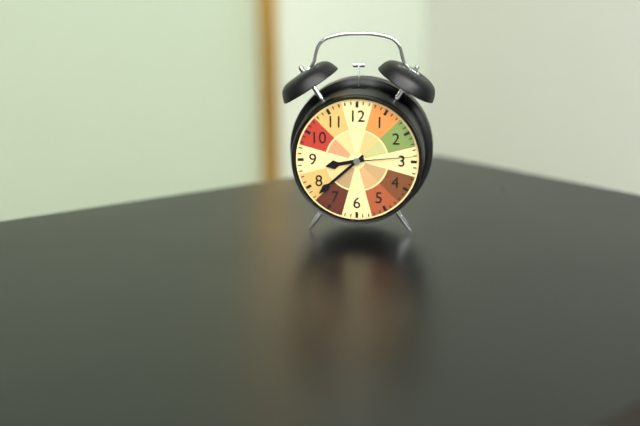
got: h=8 m=38 s=14
